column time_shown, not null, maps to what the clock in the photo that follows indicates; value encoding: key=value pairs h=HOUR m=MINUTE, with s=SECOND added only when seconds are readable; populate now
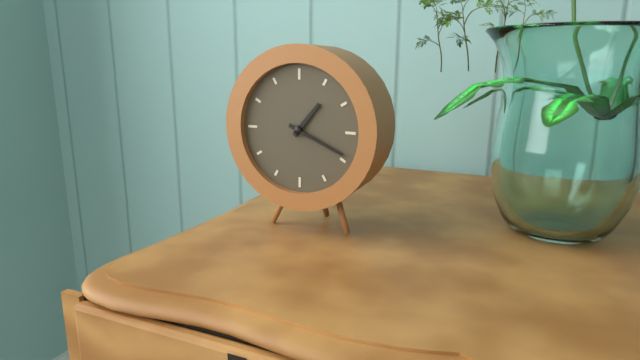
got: h=1 m=19
